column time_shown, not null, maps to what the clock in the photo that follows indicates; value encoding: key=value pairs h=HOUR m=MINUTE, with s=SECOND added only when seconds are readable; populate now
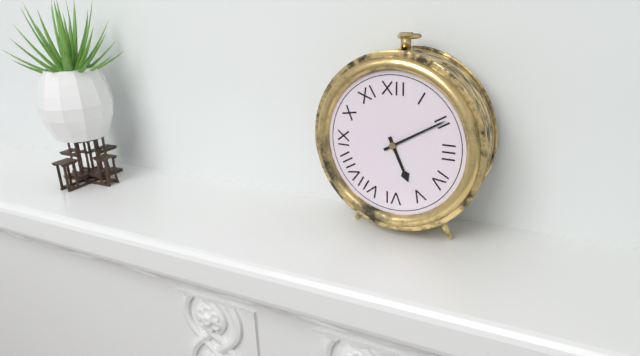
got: h=5 m=10
